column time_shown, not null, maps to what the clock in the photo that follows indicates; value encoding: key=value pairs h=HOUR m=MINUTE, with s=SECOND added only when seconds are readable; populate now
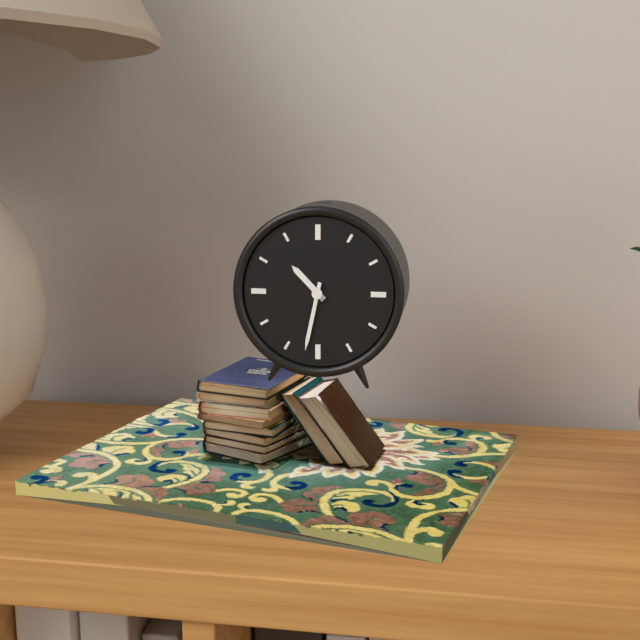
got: h=10 m=32
